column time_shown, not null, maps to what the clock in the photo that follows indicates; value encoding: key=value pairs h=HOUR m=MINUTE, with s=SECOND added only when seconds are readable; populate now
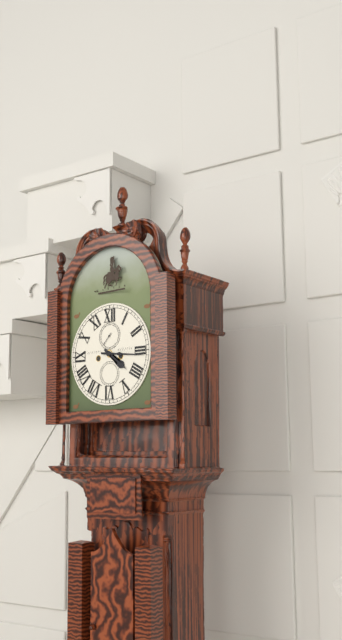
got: h=4 m=16
